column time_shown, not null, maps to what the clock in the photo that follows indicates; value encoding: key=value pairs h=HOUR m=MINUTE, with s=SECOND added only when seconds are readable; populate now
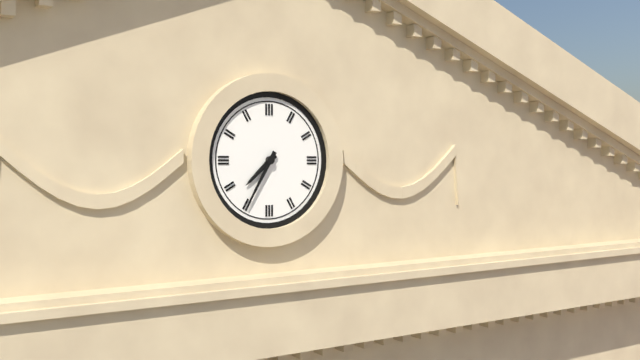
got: h=7 m=35
